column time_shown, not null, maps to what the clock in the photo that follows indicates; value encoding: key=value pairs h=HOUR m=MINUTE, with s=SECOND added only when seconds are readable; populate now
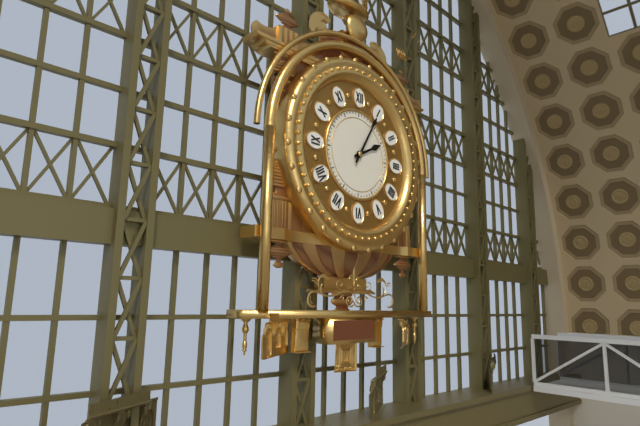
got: h=2 m=5
